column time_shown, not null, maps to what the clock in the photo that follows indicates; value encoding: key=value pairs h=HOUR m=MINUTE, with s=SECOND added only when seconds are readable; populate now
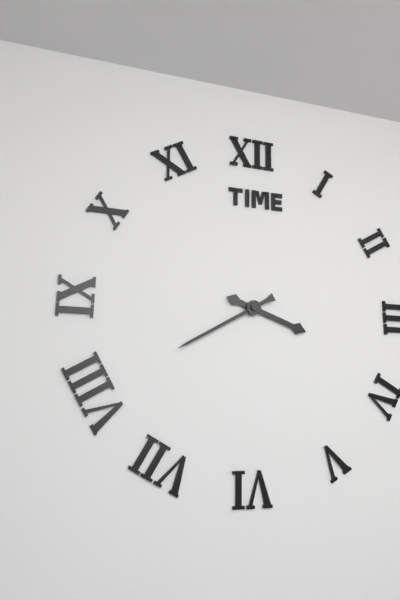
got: h=3 m=40
